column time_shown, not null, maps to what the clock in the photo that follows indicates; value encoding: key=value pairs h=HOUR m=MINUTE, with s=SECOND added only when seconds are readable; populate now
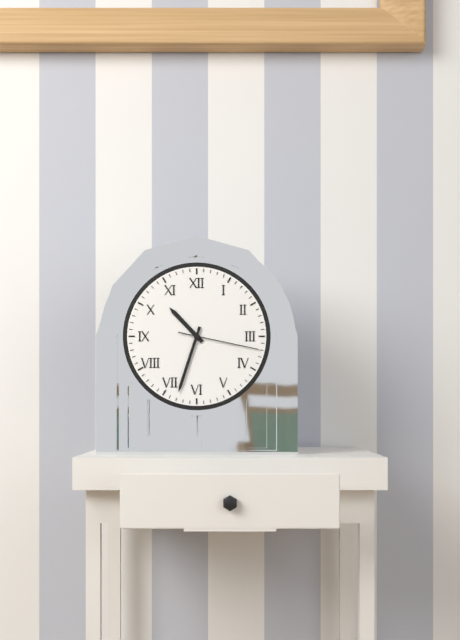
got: h=10 m=33 s=17
